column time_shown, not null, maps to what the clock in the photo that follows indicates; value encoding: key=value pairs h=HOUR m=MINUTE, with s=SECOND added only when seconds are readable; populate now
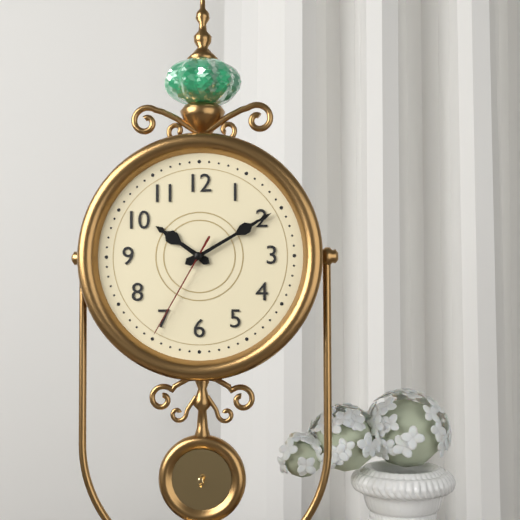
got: h=10 m=10 s=35
